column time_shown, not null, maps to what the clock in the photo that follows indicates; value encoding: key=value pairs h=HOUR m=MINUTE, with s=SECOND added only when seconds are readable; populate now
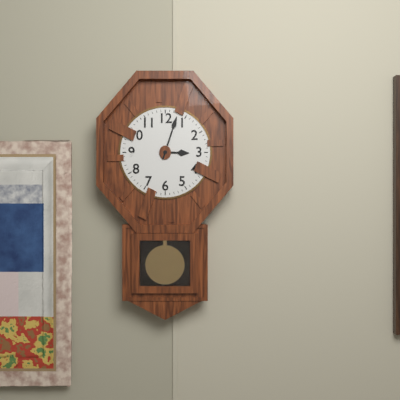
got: h=3 m=3
